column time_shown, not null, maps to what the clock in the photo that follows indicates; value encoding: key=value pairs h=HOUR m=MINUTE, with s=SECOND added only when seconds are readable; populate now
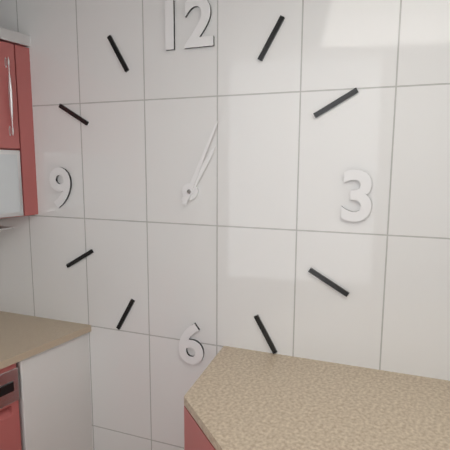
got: h=1 m=4
